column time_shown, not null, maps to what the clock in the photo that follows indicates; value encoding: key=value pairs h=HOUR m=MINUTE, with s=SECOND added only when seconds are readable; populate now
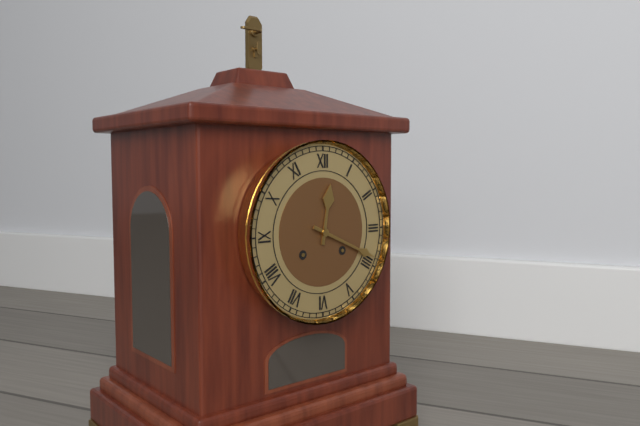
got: h=12 m=19
